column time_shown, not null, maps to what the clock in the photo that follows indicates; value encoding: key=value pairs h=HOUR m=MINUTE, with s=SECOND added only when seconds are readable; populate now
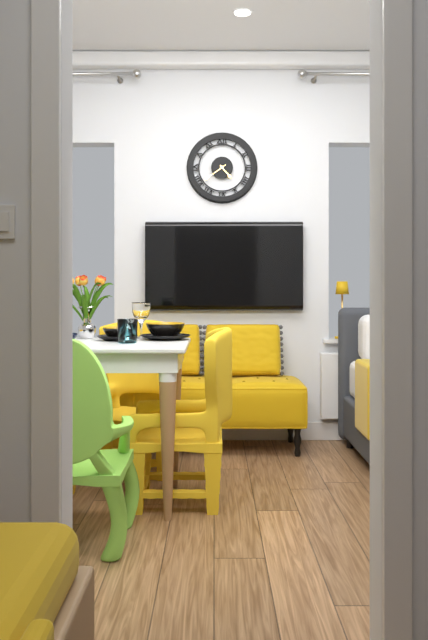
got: h=4 m=39
